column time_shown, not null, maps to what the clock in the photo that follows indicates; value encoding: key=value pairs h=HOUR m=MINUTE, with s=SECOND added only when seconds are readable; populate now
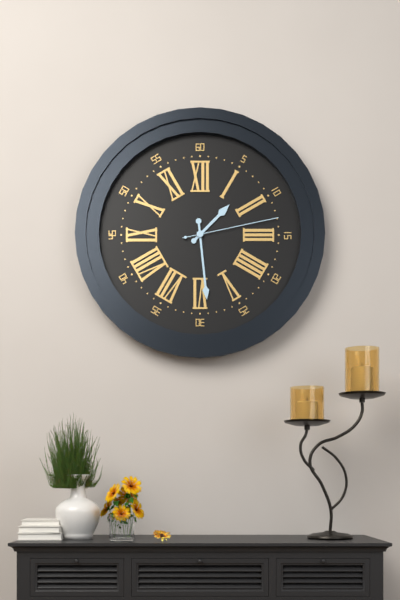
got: h=1 m=29 s=13
